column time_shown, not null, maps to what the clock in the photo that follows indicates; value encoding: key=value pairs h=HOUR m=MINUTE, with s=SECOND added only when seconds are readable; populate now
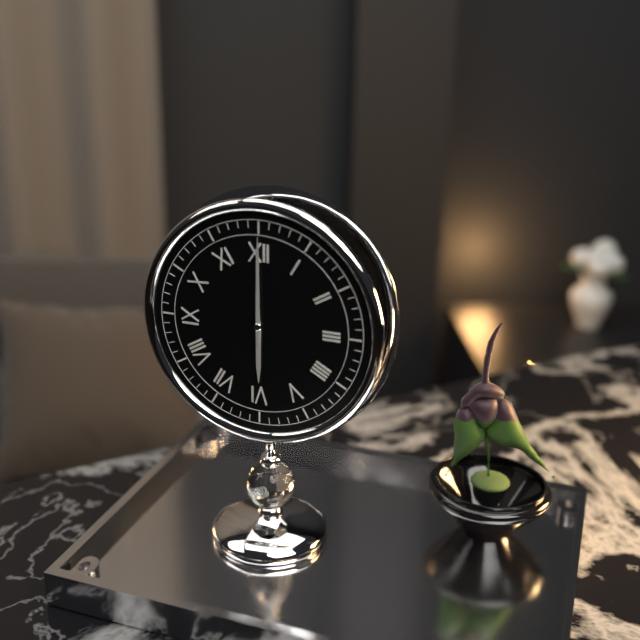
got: h=6 m=0
